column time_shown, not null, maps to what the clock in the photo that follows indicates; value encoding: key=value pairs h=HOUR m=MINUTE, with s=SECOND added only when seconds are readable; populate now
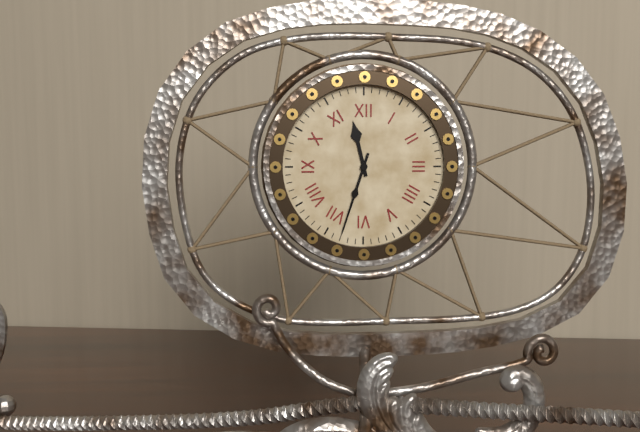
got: h=11 m=33
